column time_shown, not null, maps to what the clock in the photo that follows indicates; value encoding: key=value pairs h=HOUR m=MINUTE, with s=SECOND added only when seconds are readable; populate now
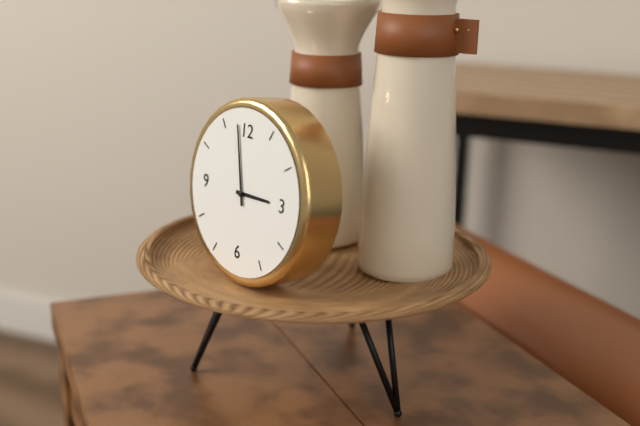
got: h=2 m=58
